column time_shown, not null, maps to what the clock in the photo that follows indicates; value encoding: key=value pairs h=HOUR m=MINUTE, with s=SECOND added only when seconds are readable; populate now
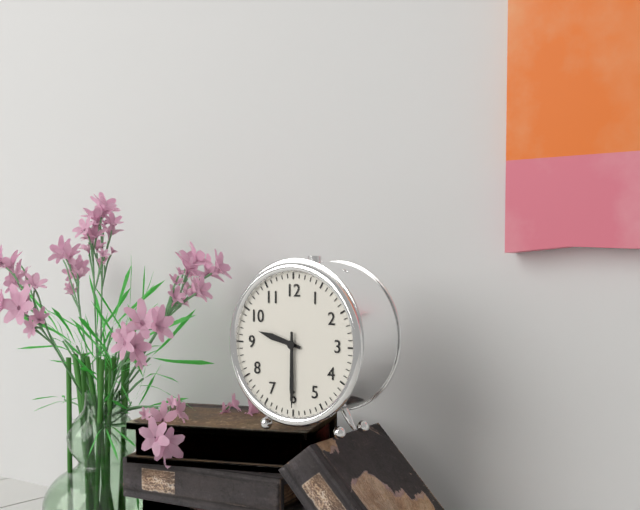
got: h=9 m=30
